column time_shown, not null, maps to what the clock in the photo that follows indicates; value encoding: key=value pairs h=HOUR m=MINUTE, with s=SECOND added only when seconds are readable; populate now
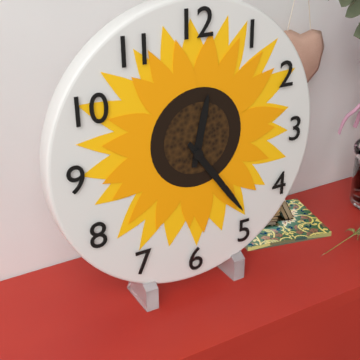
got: h=12 m=24
